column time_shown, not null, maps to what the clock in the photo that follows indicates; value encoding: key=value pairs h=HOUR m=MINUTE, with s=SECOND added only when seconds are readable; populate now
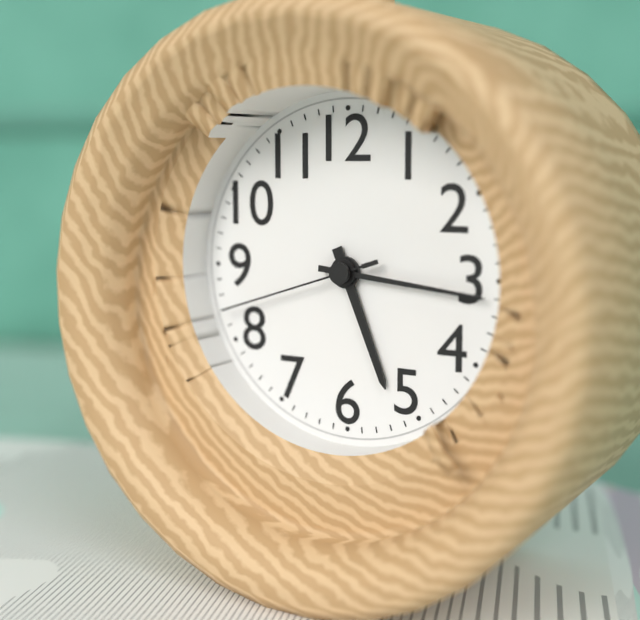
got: h=5 m=16 s=42
